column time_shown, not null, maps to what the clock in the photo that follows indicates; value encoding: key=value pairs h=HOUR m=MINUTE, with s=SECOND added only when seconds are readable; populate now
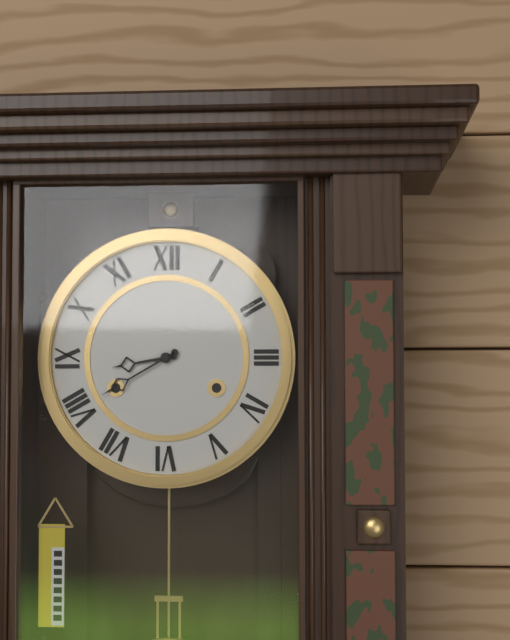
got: h=8 m=40
